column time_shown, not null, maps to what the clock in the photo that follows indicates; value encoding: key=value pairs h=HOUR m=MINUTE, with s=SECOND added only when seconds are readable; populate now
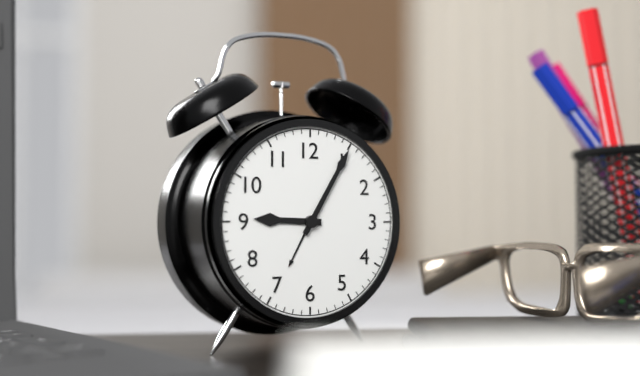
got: h=9 m=5
